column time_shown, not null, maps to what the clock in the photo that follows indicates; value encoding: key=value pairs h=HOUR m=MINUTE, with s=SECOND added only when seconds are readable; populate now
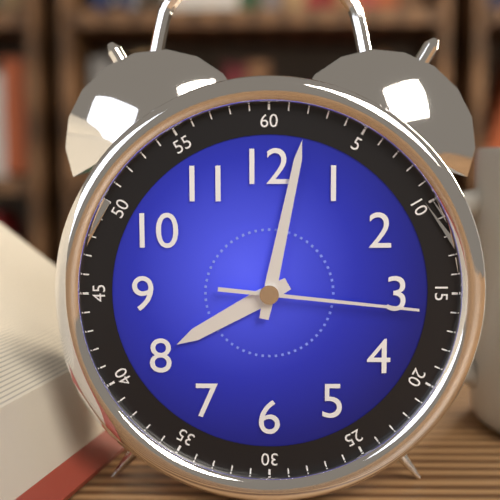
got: h=8 m=2 s=16
